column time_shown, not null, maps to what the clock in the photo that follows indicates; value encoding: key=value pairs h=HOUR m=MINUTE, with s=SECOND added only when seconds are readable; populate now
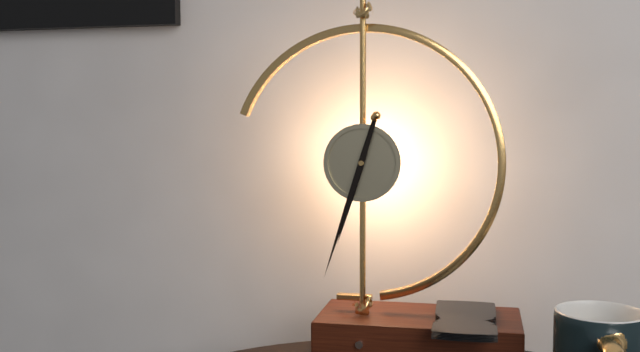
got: h=6 m=33
